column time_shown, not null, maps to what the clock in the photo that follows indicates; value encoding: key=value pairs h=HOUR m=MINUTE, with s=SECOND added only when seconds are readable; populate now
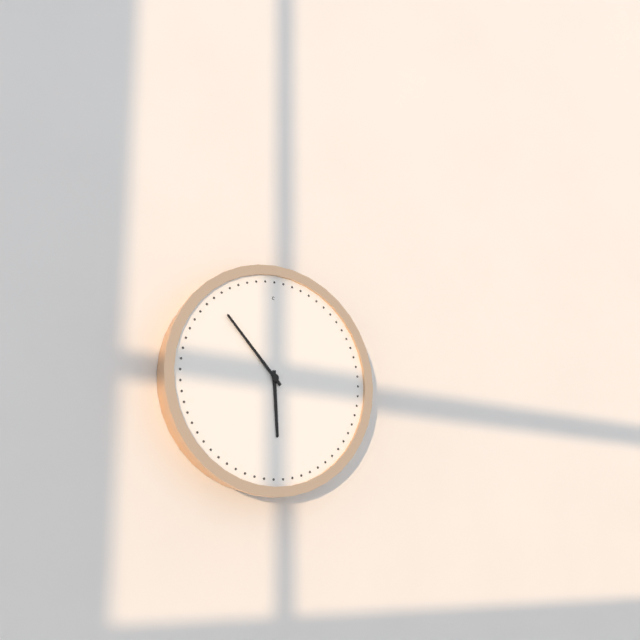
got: h=5 m=53
